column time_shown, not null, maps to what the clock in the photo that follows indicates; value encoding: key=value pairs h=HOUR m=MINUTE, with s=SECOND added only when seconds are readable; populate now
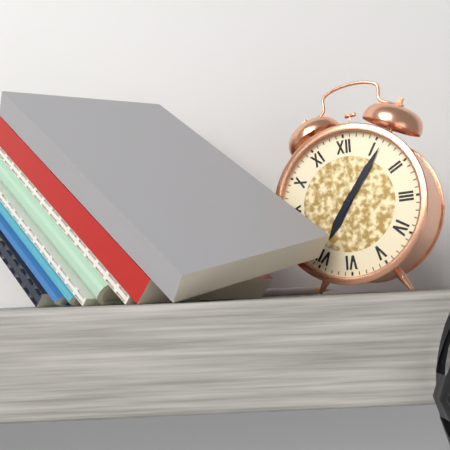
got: h=7 m=6
